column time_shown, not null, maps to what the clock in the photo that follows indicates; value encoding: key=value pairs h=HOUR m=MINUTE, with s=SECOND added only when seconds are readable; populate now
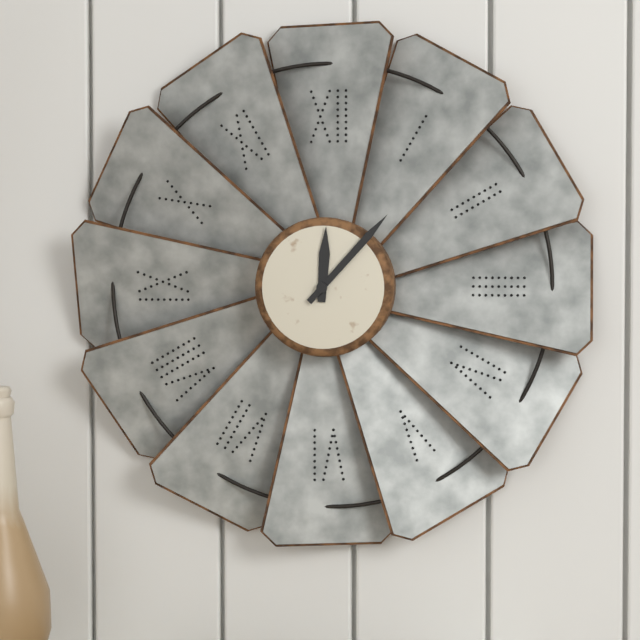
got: h=12 m=7
